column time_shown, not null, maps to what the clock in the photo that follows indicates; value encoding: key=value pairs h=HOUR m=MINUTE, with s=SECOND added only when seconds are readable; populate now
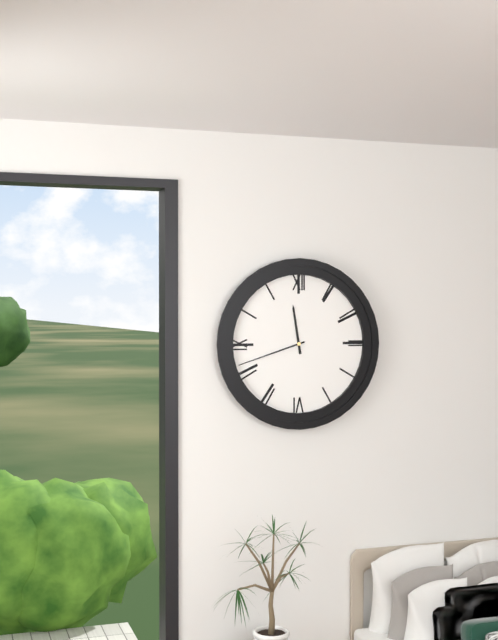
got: h=11 m=42
